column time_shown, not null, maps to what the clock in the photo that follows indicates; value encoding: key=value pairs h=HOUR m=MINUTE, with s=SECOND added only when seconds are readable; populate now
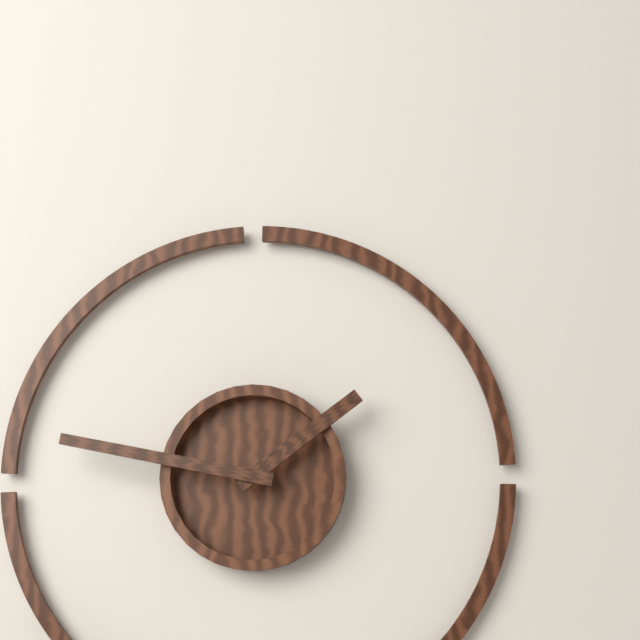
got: h=1 m=47
